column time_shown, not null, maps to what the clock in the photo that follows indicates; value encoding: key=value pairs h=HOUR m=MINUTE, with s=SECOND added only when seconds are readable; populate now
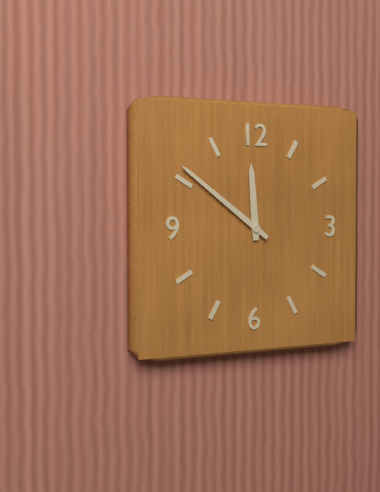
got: h=11 m=51
